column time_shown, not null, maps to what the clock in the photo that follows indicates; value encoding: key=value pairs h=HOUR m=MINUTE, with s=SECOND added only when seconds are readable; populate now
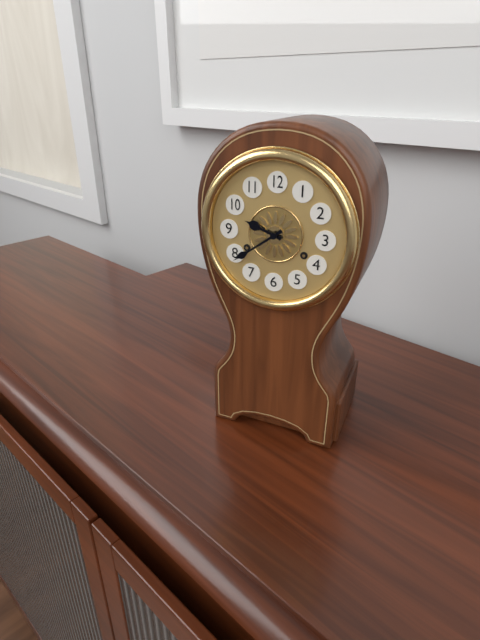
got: h=9 m=39
